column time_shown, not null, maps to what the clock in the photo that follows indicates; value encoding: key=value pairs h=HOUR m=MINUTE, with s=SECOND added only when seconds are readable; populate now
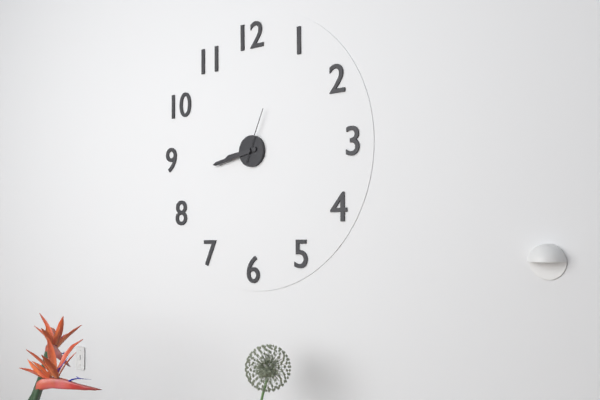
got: h=8 m=43 s=4
